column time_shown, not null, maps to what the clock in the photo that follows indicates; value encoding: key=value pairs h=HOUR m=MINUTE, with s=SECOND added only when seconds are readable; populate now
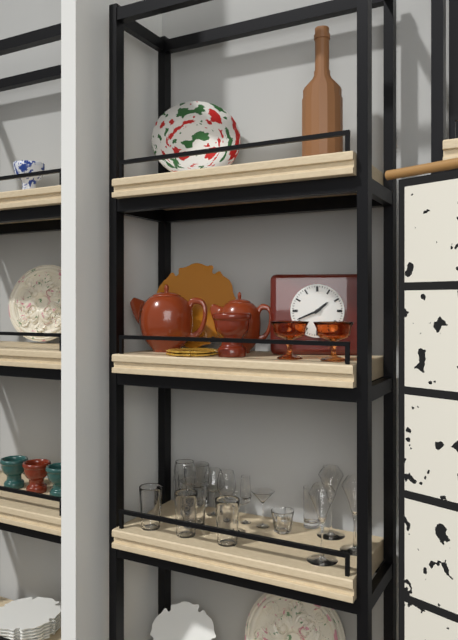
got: h=1 m=41
